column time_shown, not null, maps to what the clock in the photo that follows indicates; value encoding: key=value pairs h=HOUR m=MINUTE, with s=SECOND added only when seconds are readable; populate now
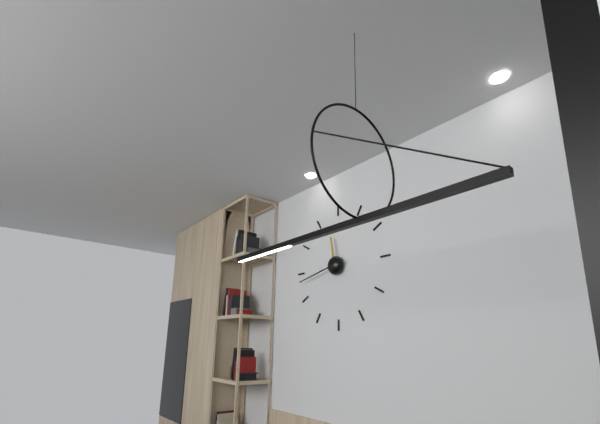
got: h=11 m=43
